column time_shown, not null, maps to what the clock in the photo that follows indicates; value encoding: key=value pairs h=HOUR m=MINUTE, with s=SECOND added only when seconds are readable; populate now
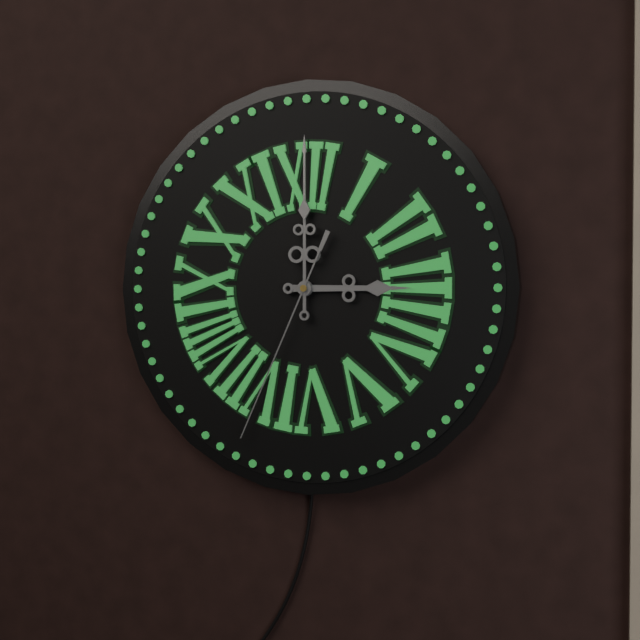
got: h=3 m=0 s=34
